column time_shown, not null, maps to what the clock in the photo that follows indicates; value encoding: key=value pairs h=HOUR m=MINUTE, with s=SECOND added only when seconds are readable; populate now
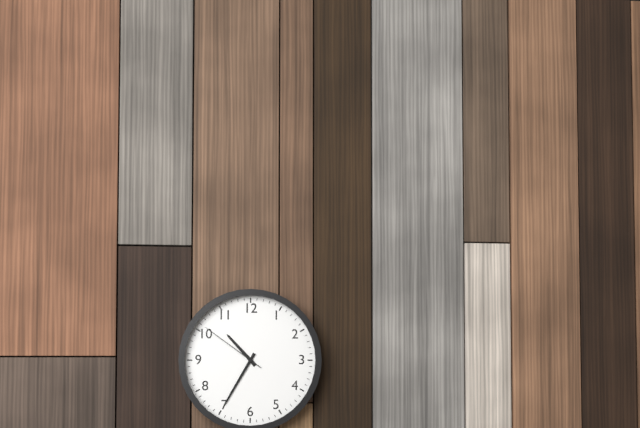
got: h=10 m=35 s=51
